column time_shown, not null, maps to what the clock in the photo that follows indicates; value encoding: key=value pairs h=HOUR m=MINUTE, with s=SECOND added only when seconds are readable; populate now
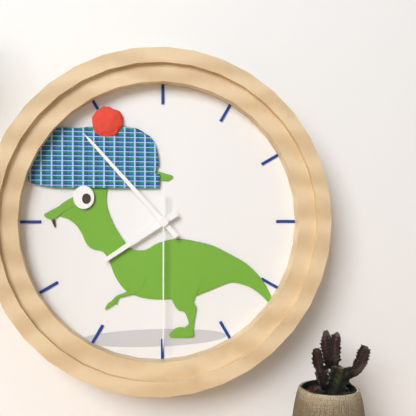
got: h=7 m=53 s=30
